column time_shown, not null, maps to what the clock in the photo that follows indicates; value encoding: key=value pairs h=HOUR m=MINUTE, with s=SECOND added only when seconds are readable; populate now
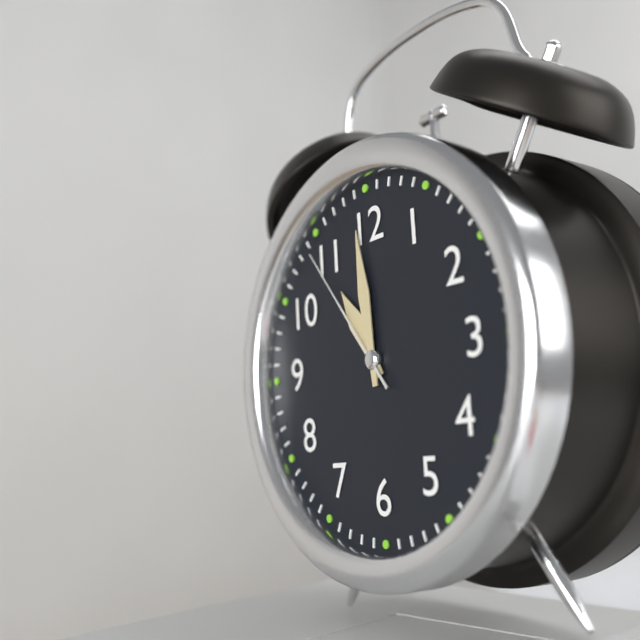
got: h=10 m=59 s=54
